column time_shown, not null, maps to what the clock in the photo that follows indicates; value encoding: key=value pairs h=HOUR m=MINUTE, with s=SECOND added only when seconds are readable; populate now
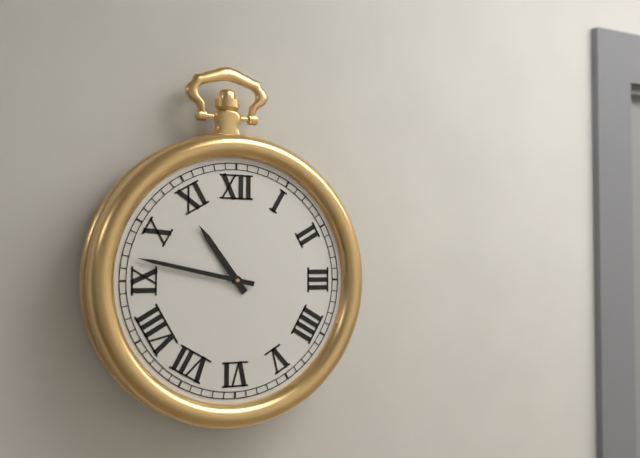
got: h=10 m=47
